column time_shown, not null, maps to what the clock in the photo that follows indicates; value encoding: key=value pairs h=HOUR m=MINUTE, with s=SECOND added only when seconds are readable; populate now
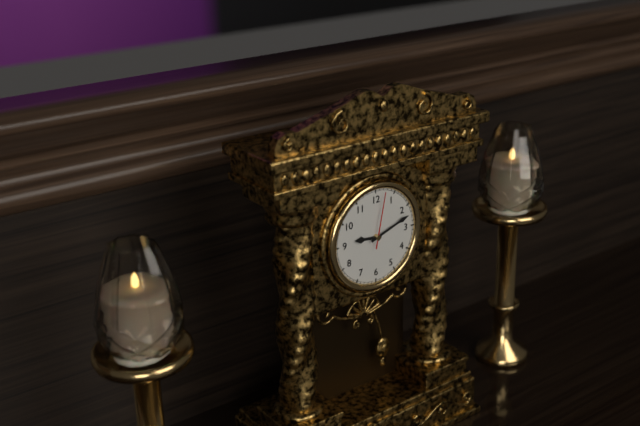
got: h=9 m=12 s=2
